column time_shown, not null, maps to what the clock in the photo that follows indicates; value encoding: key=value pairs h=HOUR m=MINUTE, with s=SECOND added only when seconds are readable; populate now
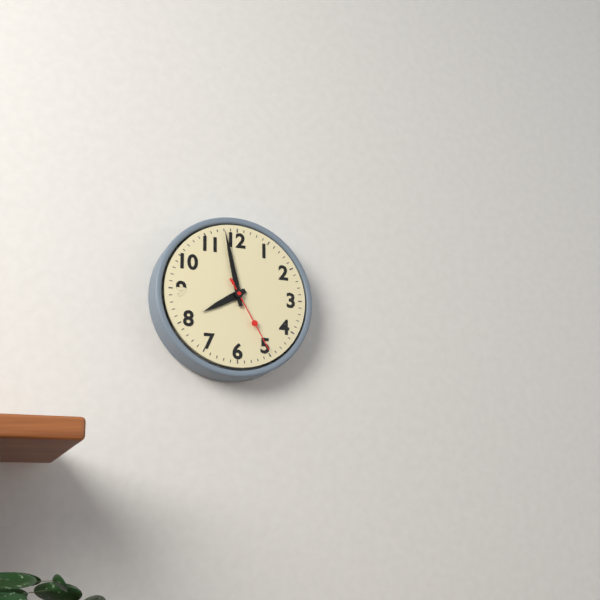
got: h=7 m=58 s=25
